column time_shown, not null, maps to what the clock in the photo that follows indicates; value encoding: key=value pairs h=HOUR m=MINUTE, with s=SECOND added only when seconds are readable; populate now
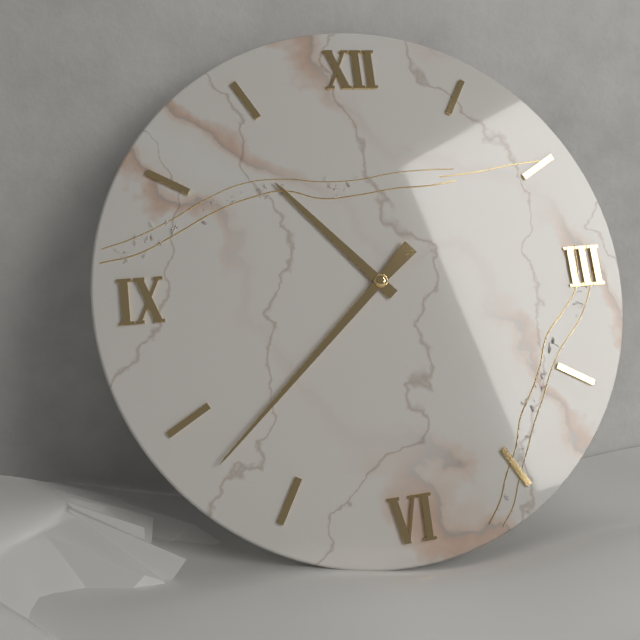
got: h=10 m=38
